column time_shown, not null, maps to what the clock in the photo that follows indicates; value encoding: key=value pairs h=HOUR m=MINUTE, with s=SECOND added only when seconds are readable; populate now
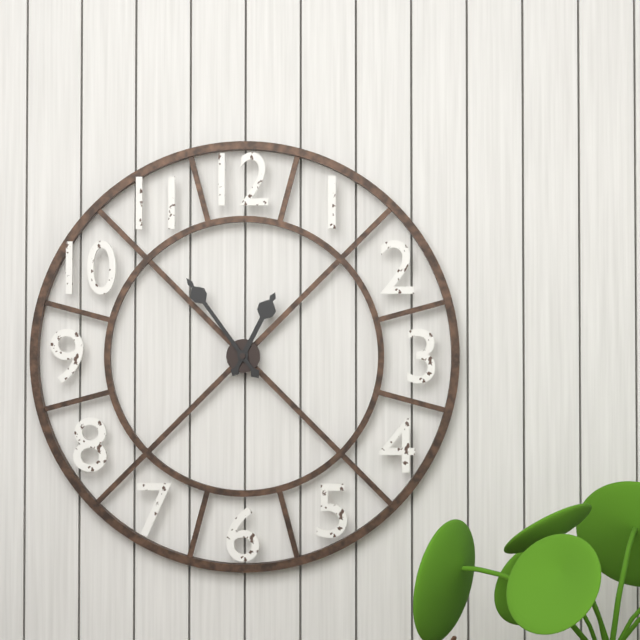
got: h=12 m=54
